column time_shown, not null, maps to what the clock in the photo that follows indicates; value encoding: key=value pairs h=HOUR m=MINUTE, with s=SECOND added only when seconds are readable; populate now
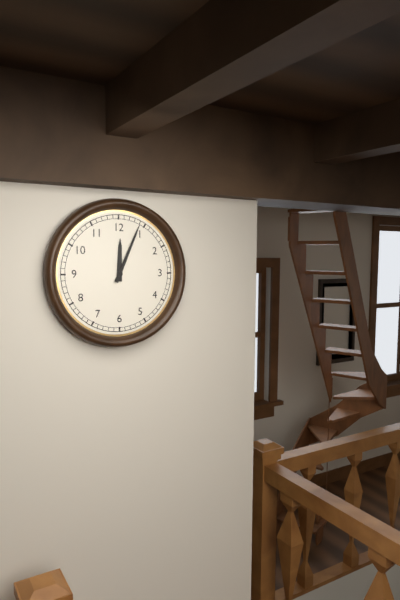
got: h=12 m=4
